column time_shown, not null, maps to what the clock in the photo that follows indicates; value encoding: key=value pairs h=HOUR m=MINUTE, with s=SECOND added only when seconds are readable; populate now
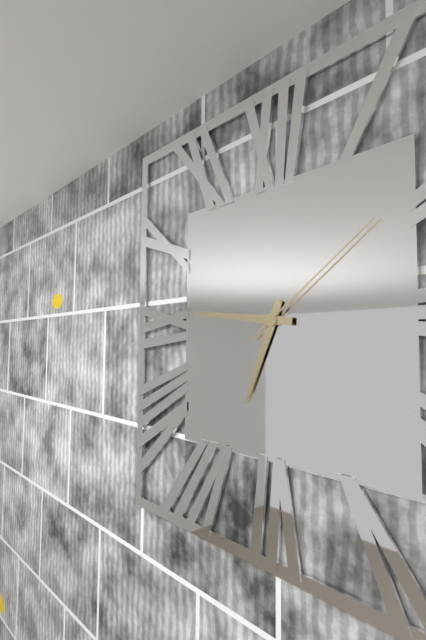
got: h=6 m=46 s=9
